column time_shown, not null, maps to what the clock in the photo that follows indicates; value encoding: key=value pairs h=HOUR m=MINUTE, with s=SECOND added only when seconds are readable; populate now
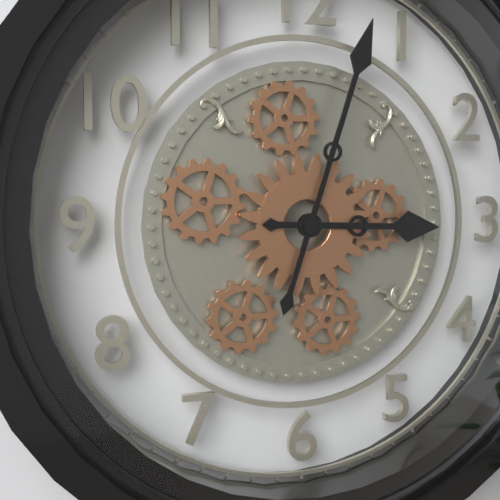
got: h=3 m=3
